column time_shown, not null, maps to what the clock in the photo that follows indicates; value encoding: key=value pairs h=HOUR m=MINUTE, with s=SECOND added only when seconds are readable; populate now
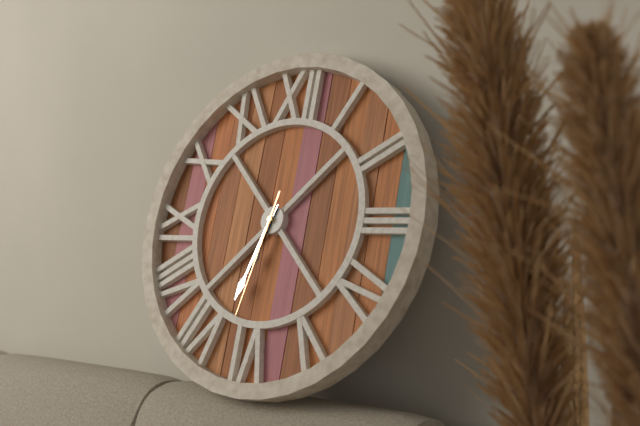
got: h=6 m=33 s=32
